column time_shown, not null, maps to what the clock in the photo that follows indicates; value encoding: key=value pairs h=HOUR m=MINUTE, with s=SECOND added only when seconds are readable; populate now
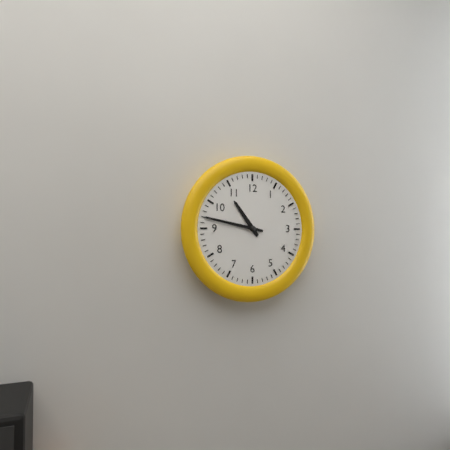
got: h=10 m=47
